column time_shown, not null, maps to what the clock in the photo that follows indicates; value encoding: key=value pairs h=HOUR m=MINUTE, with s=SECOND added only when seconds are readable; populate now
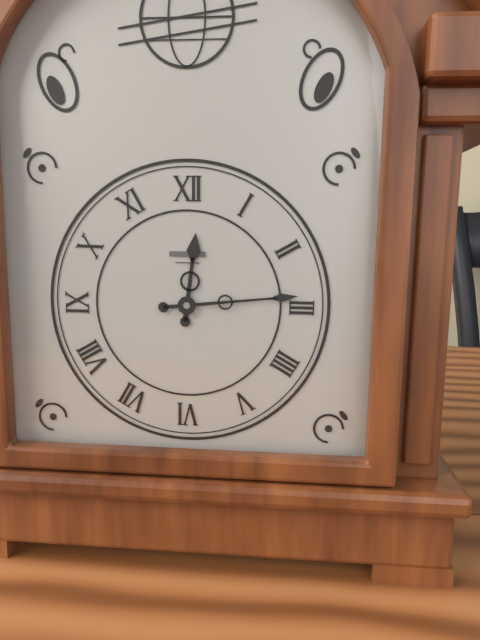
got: h=12 m=14
